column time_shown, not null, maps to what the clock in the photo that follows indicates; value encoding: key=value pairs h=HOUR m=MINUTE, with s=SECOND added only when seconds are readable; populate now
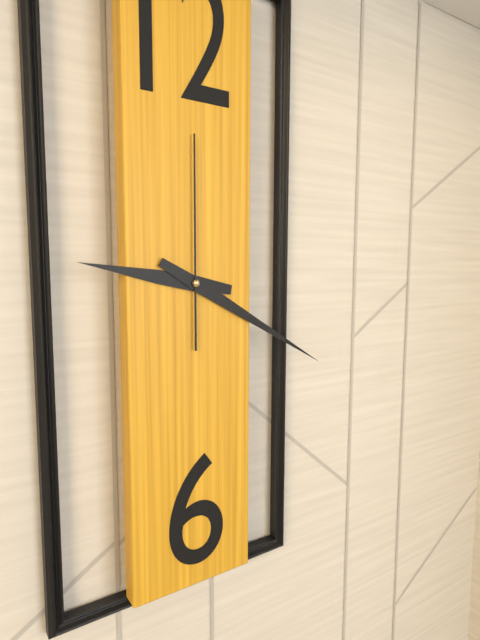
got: h=9 m=20 s=0
